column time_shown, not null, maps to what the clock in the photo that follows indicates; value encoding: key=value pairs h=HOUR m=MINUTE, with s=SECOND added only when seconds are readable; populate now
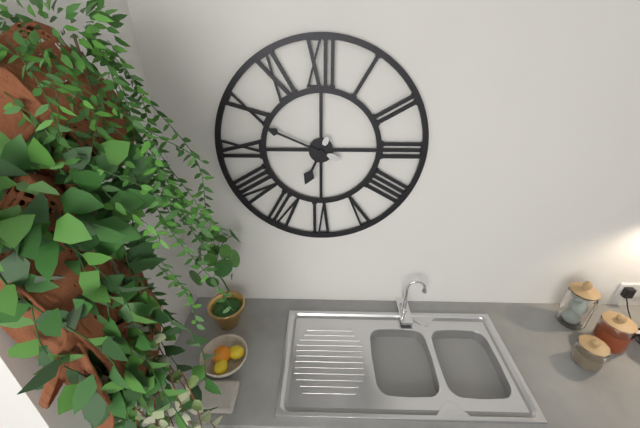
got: h=6 m=49
